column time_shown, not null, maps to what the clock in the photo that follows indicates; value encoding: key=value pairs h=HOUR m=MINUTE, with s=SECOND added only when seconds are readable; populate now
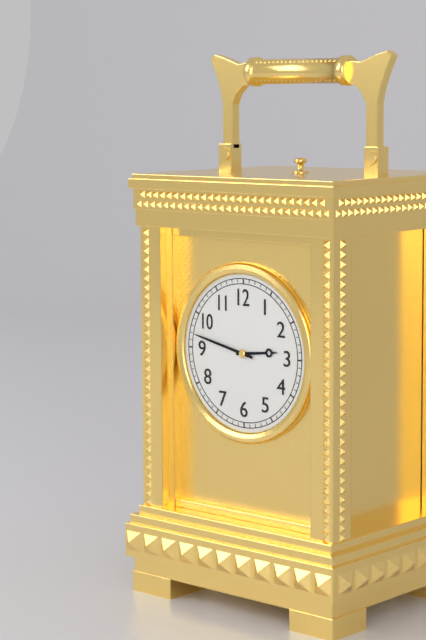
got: h=2 m=47
